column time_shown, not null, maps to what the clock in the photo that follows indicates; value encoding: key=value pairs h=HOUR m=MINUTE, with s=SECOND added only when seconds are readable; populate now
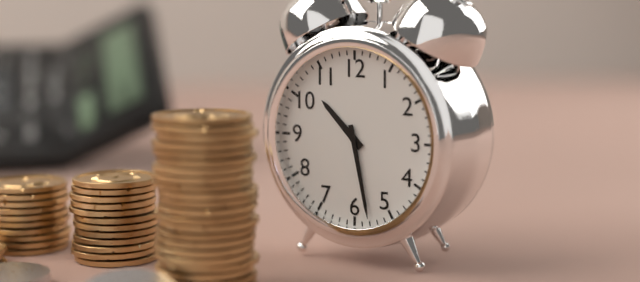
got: h=10 m=28
